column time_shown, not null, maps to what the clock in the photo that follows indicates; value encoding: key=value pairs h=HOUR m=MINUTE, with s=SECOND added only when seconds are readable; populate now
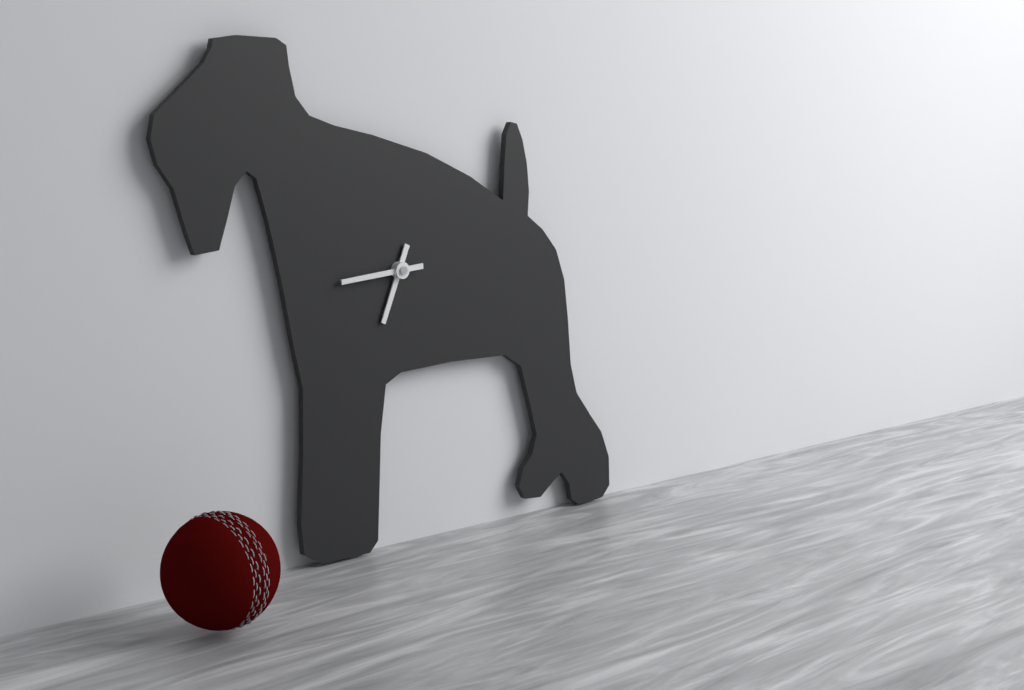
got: h=6 m=44
